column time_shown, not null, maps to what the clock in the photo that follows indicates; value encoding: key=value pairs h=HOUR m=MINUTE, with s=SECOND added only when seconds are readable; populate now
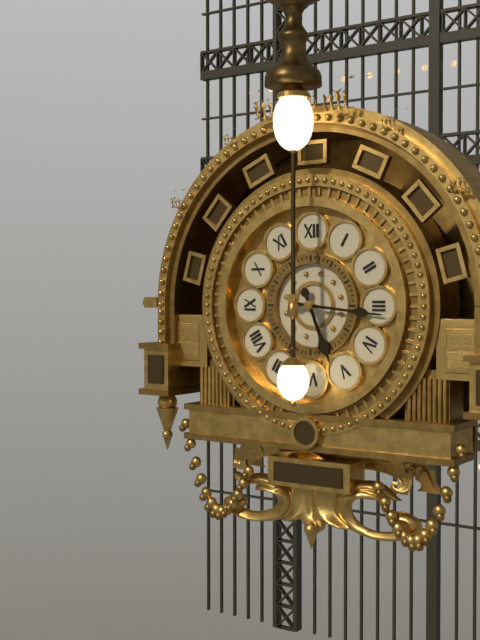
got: h=5 m=16
